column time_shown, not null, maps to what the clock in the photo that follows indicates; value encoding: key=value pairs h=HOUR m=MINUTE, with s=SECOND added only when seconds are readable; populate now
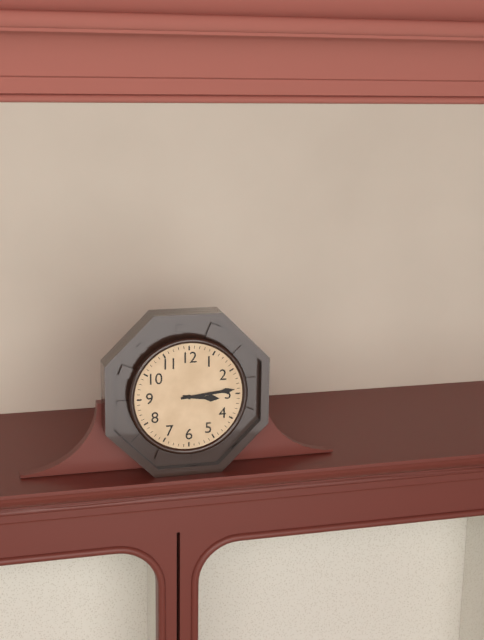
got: h=3 m=14
